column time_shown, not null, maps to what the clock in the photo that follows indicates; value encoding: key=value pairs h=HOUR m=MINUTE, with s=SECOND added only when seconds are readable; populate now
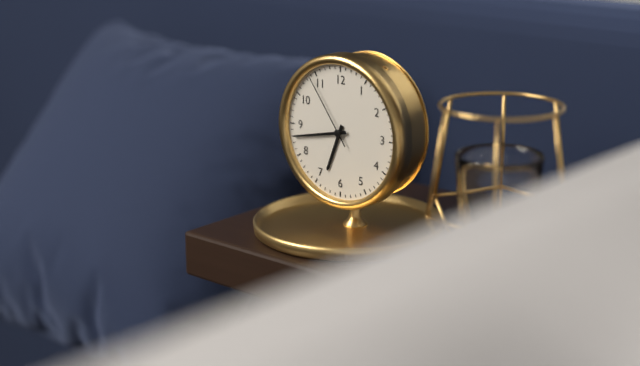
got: h=6 m=43 s=54
